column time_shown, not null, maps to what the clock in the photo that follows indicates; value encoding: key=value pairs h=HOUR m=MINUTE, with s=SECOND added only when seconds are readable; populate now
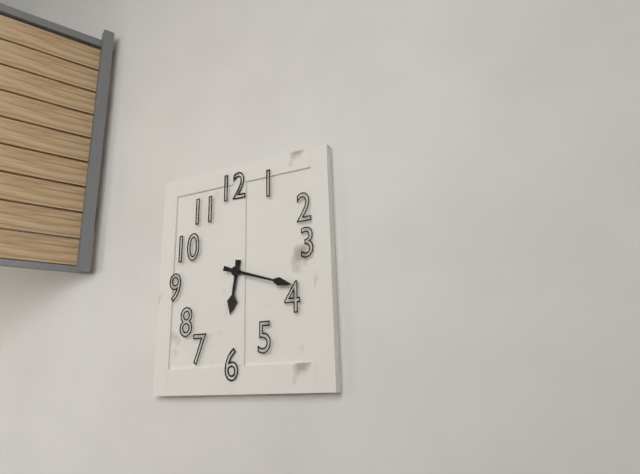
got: h=6 m=18
